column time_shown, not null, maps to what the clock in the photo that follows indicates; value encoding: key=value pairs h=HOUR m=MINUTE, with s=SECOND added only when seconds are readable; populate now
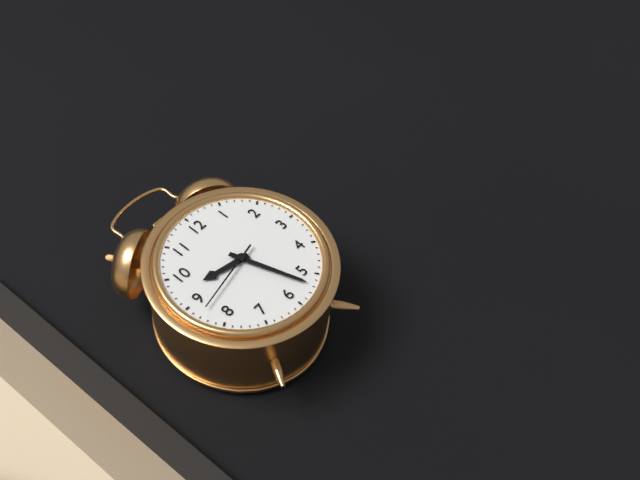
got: h=9 m=27 s=43
